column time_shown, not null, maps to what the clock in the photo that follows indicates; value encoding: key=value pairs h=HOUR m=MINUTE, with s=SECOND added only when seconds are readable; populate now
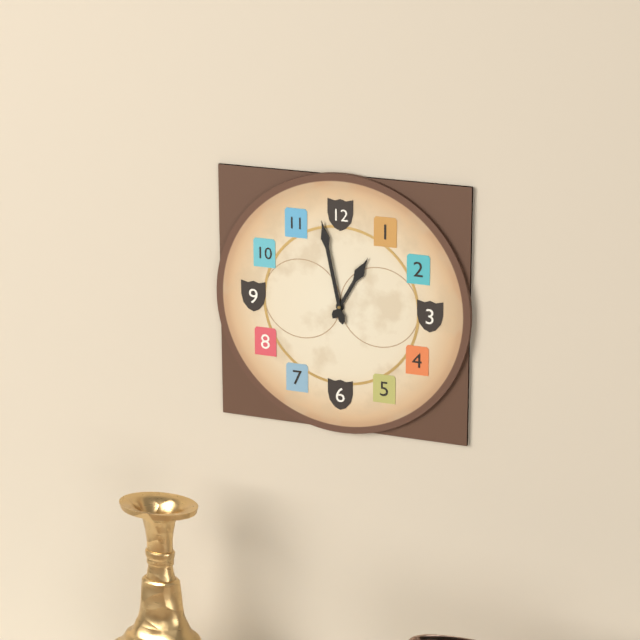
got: h=12 m=58
